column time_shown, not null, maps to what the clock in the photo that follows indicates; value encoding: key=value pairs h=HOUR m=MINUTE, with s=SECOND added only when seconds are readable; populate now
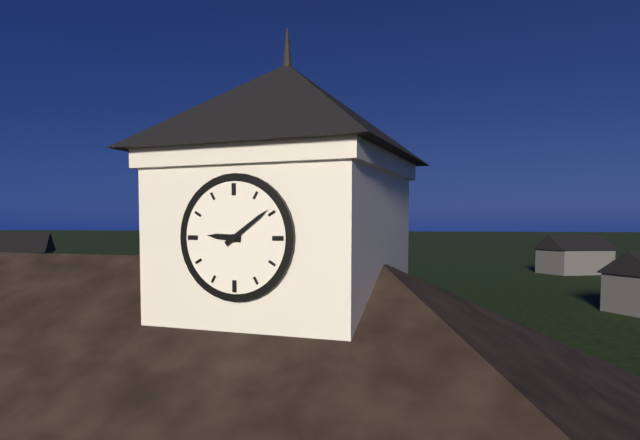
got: h=9 m=9
